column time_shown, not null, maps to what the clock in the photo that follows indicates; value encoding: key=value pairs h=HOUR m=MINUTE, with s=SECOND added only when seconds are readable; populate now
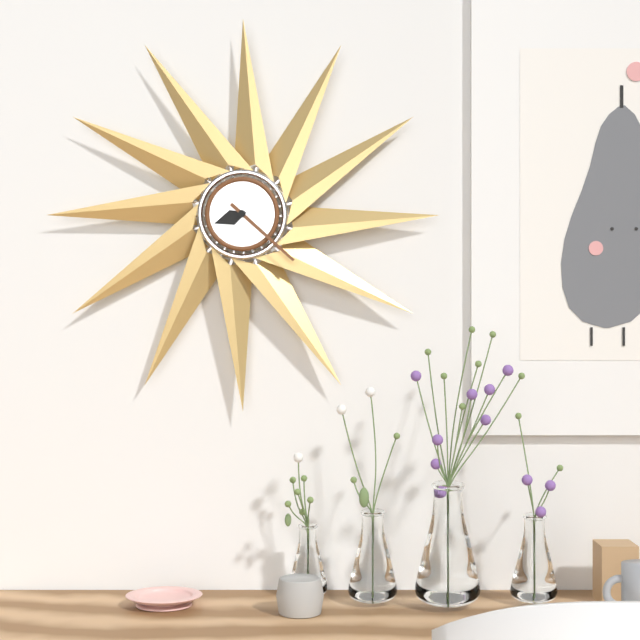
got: h=8 m=22
